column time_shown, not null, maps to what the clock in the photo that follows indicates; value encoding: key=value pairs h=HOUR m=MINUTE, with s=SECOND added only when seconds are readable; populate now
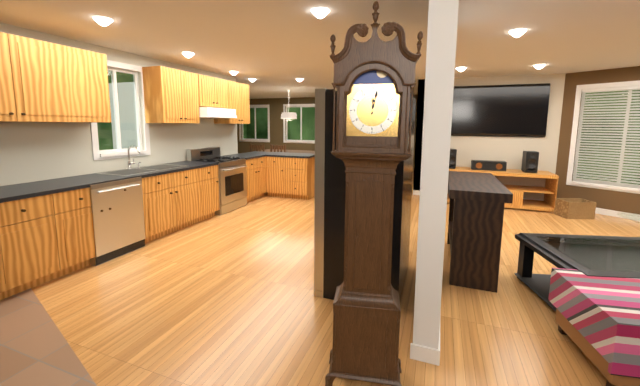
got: h=12 m=2
